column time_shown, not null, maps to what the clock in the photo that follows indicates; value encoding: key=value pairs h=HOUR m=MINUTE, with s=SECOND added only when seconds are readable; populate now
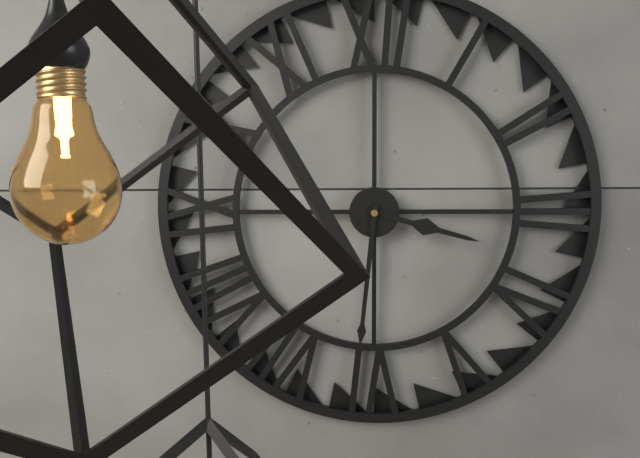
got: h=3 m=31
